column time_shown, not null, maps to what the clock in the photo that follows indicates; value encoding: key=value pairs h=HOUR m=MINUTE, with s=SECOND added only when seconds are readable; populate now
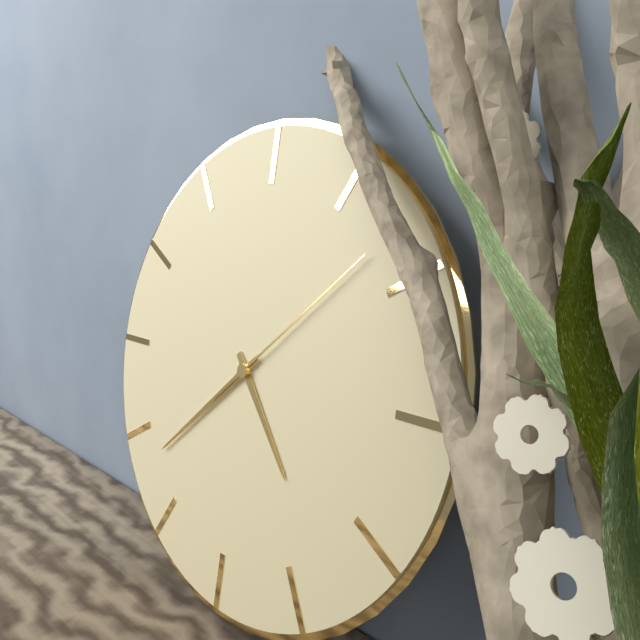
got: h=4 m=38 s=8
